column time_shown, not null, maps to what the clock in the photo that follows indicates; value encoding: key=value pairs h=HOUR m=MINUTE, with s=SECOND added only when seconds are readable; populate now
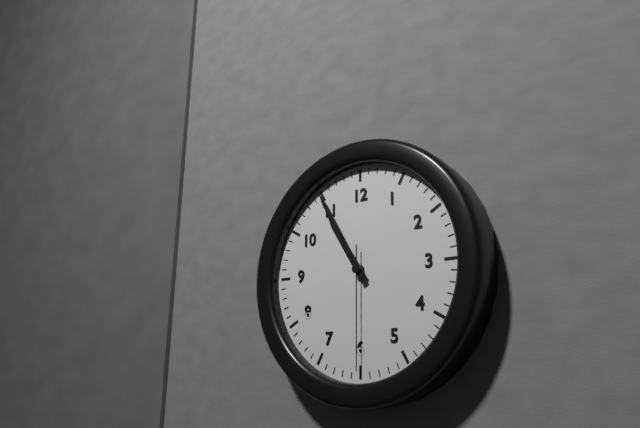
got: h=10 m=55 s=30
